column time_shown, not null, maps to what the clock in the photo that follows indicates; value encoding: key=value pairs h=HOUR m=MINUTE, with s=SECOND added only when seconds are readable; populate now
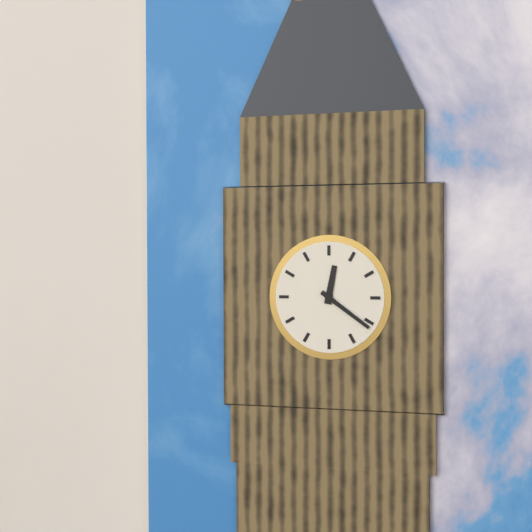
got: h=12 m=21
